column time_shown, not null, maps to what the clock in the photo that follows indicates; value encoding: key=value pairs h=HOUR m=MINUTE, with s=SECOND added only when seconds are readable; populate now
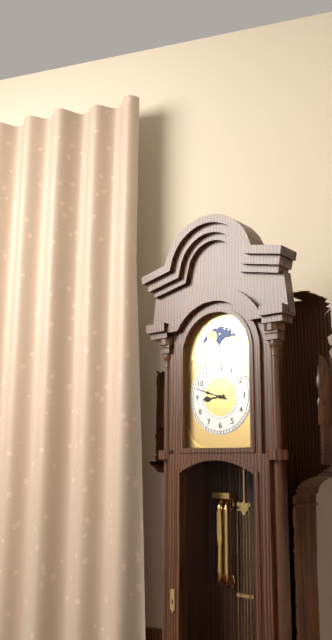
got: h=8 m=48
